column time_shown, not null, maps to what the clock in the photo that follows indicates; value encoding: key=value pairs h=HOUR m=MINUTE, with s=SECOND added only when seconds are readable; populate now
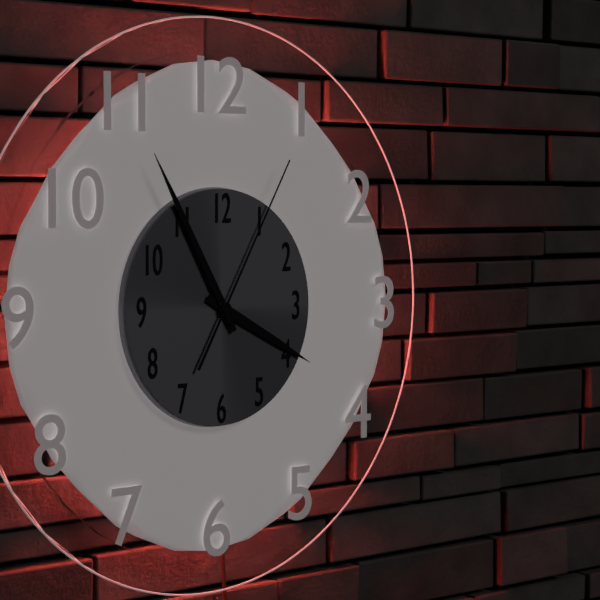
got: h=3 m=55 s=5
